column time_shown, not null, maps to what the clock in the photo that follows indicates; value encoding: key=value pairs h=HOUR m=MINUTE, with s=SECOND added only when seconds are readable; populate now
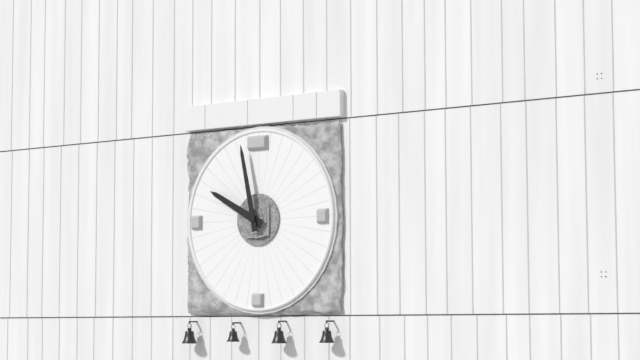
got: h=9 m=58
